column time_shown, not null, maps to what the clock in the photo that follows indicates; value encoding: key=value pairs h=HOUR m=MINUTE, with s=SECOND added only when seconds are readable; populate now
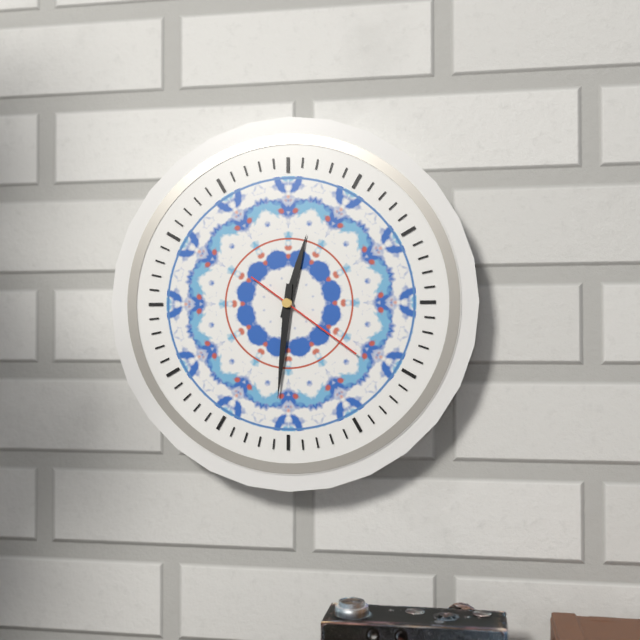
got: h=12 m=31 s=21
